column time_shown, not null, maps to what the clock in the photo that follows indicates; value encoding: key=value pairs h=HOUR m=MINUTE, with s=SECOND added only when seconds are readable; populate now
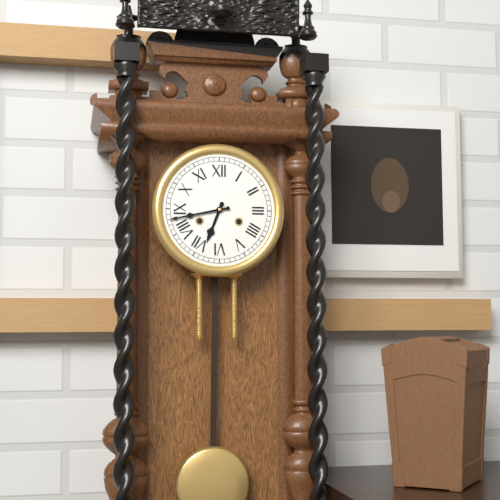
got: h=6 m=43
